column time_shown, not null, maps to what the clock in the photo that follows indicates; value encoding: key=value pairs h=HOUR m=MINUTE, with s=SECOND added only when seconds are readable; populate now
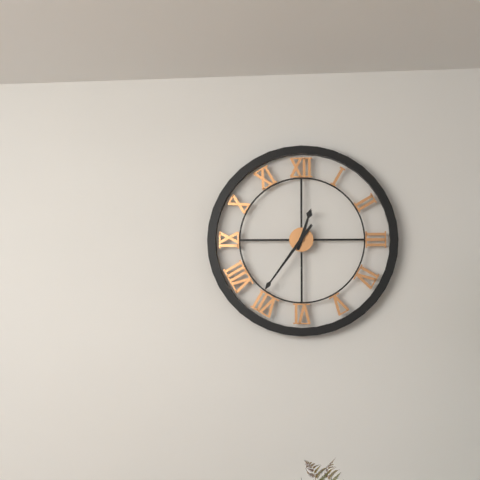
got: h=12 m=36
